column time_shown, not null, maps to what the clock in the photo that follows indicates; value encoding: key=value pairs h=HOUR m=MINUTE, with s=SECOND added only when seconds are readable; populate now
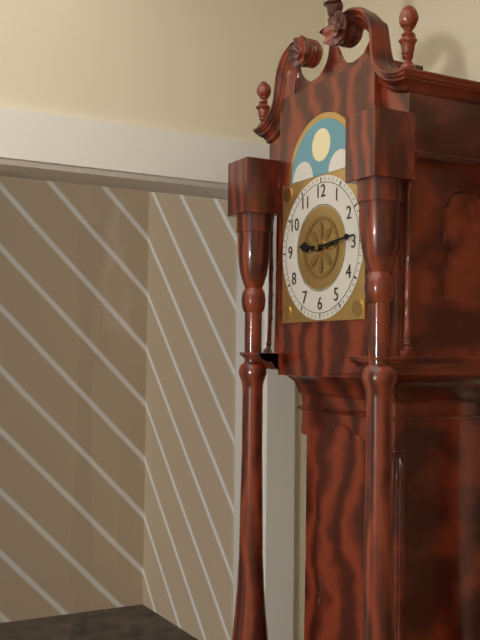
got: h=9 m=14
